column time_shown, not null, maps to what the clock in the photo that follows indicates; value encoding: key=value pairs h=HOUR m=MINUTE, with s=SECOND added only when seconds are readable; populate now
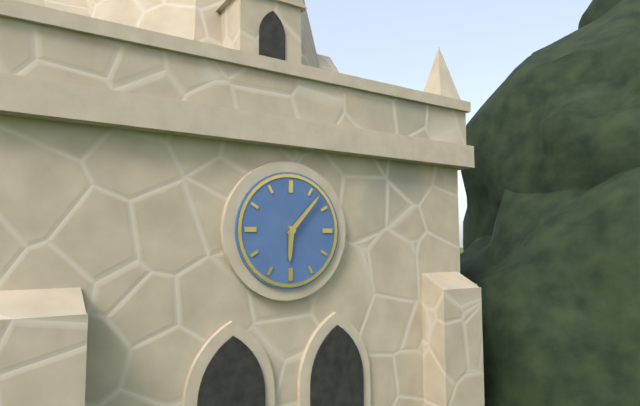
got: h=6 m=7
